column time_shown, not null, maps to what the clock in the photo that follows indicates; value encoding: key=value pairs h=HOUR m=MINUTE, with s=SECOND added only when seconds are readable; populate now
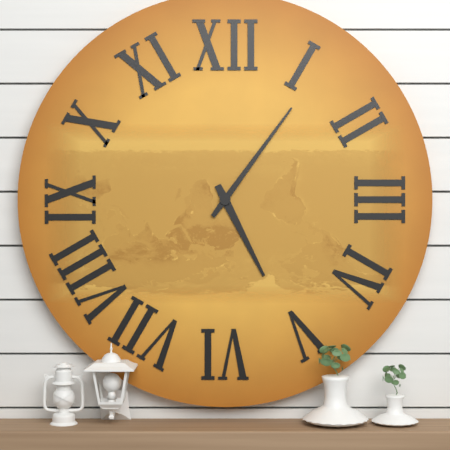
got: h=5 m=6
